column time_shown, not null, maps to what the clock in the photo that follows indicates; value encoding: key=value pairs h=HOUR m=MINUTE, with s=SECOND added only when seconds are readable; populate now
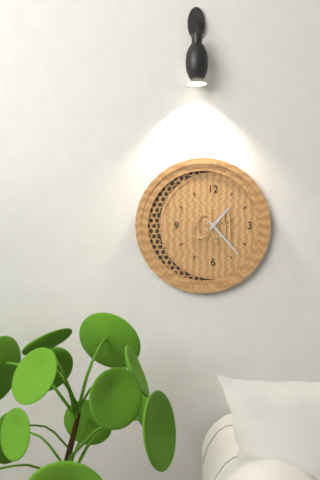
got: h=1 m=23
